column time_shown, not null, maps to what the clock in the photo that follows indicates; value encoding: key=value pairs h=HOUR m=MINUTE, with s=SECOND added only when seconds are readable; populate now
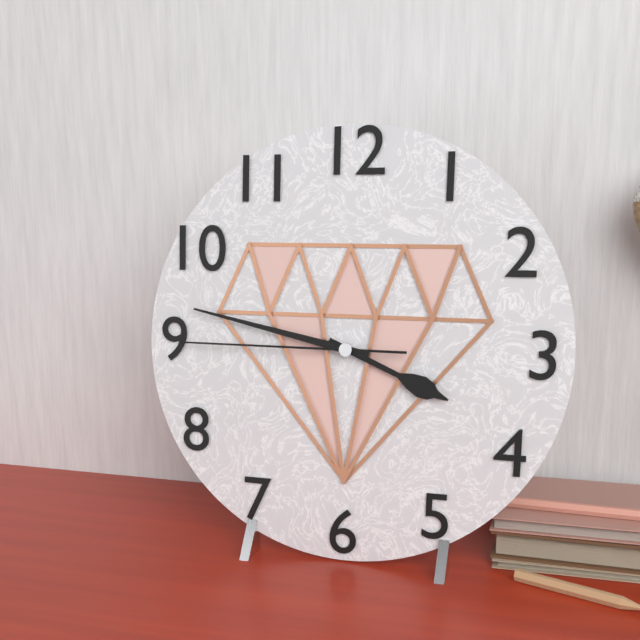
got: h=3 m=47 s=45
